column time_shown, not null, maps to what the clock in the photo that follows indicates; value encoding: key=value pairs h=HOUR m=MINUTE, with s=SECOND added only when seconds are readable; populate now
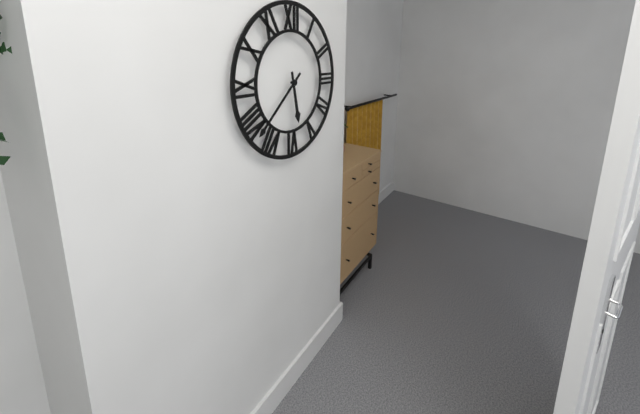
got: h=5 m=38
